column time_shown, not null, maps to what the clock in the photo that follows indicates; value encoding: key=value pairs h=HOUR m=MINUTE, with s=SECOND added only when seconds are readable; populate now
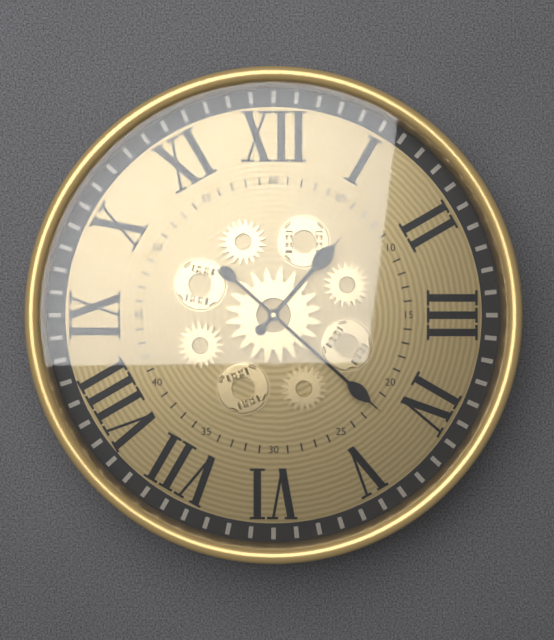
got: h=1 m=22
